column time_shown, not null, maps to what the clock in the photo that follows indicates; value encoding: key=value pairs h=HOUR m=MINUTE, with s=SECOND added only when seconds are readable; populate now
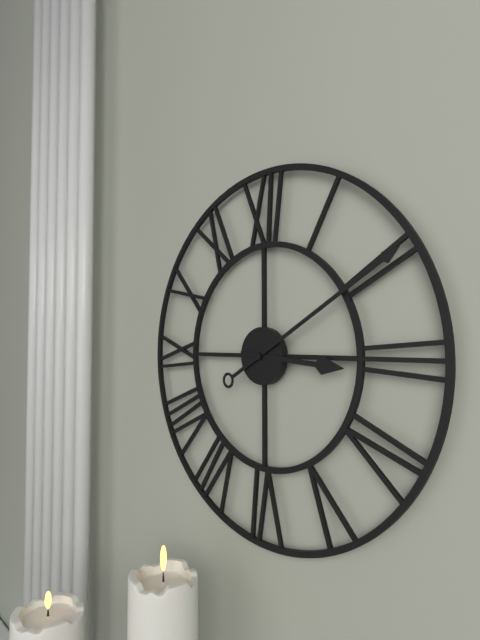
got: h=3 m=10
